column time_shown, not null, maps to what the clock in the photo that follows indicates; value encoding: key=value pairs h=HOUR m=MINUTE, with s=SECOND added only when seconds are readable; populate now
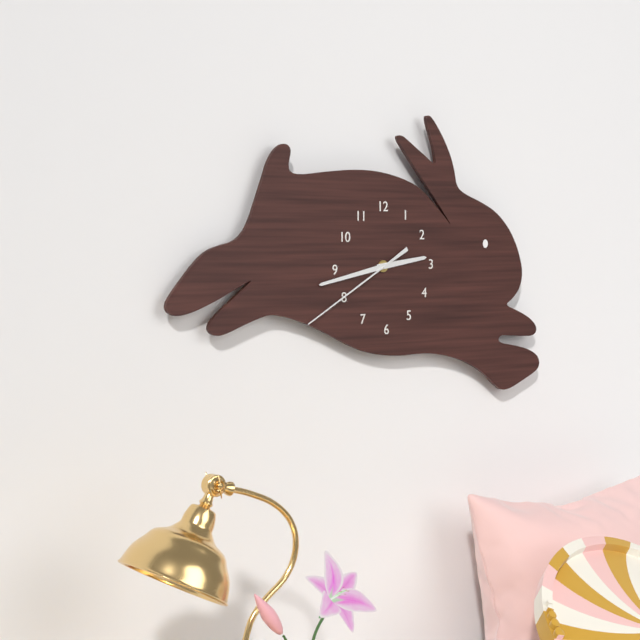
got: h=2 m=43 s=40
